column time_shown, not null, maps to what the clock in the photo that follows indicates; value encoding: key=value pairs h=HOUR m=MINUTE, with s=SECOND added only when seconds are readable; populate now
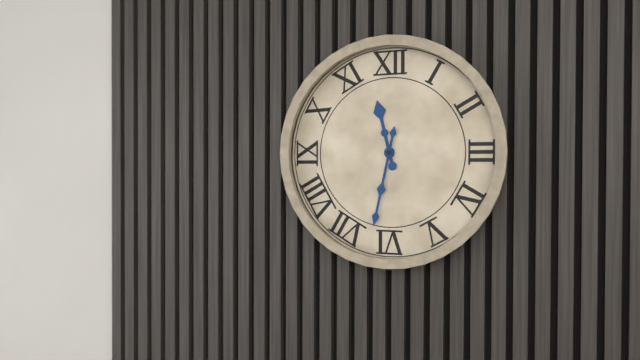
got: h=11 m=32
